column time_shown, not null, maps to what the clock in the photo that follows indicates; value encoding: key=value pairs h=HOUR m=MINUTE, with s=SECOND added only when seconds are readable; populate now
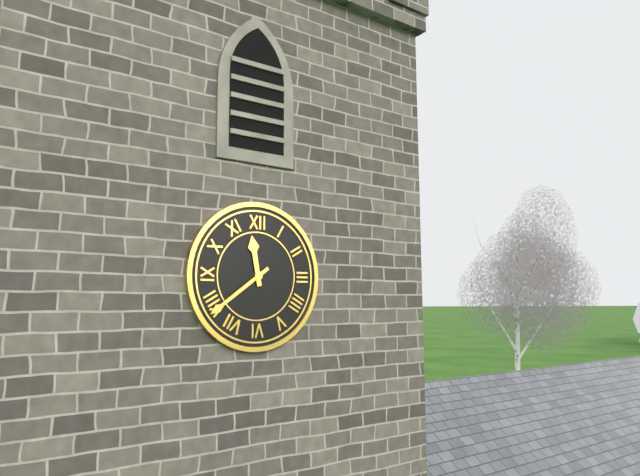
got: h=11 m=39
